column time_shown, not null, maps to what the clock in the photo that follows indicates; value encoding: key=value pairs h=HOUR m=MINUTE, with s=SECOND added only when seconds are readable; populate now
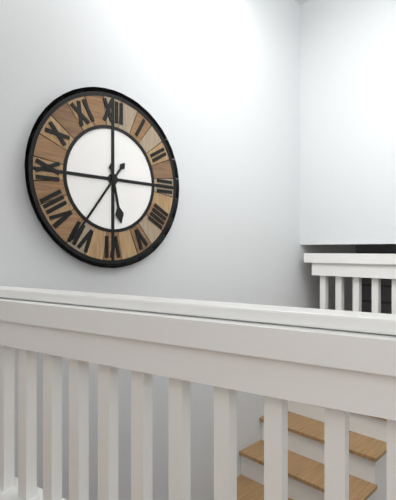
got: h=5 m=36
